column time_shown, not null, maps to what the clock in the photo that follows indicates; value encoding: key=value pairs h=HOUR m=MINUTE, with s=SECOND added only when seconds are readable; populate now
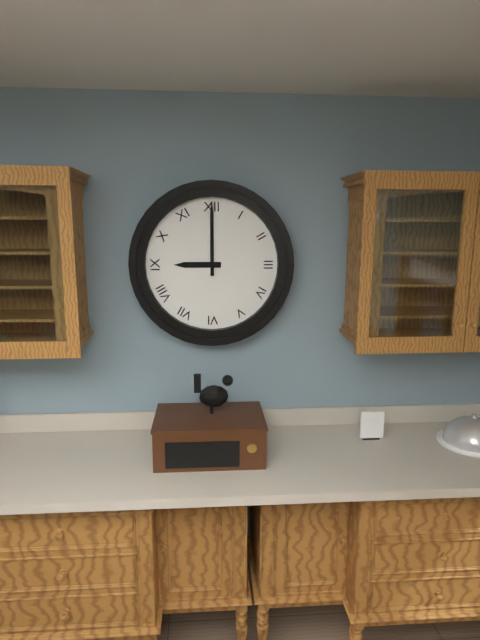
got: h=9 m=0
